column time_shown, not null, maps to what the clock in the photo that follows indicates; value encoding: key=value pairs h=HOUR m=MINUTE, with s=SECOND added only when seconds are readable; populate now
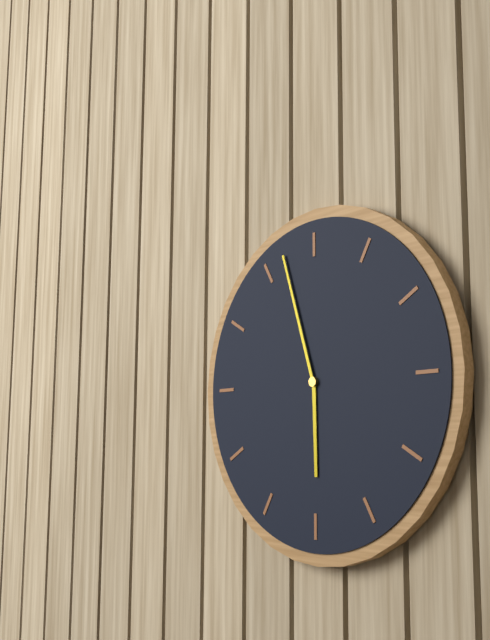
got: h=5 m=57
